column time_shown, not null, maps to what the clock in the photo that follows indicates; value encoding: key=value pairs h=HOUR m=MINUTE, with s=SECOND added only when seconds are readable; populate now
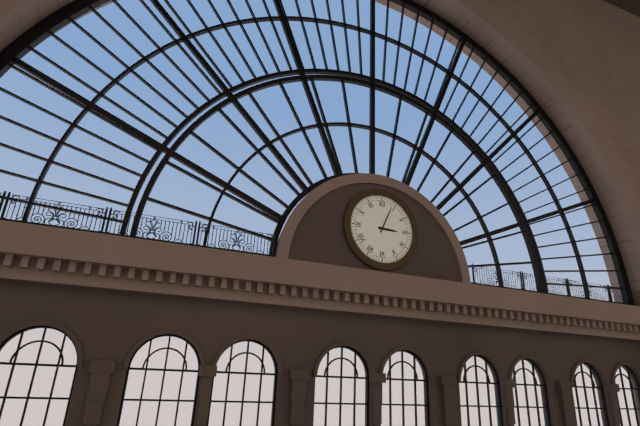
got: h=3 m=4
